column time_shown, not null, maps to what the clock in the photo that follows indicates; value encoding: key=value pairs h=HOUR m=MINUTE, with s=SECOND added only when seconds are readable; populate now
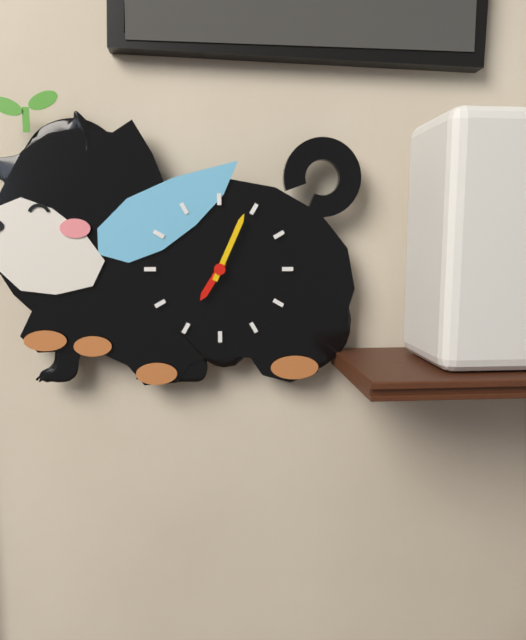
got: h=7 m=4
